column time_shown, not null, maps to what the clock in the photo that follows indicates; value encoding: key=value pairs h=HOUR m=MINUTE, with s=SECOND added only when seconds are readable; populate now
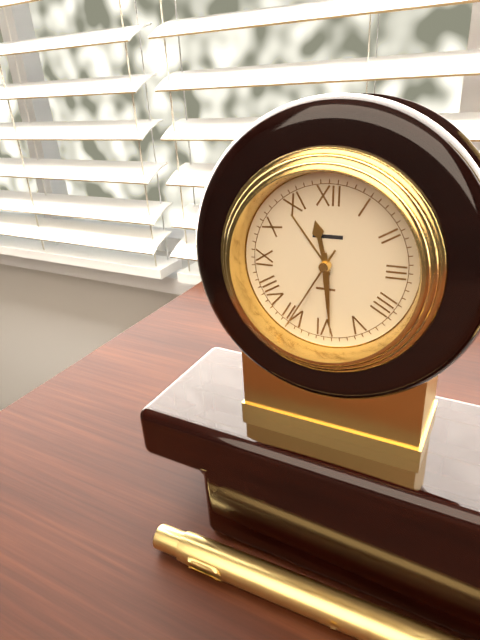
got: h=11 m=29 s=35
